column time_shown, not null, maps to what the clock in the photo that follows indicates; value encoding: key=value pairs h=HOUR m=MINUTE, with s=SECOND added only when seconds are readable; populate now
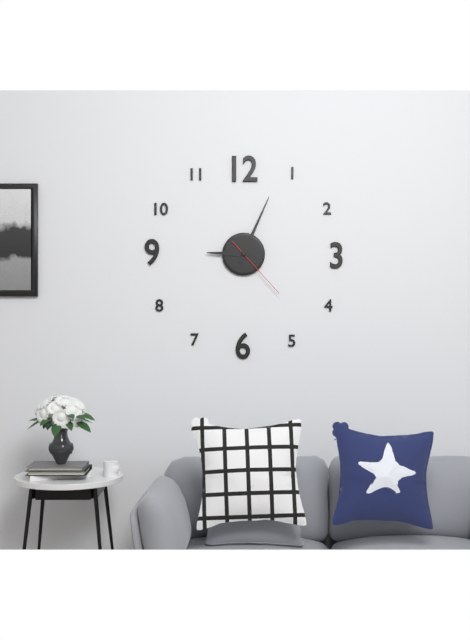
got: h=9 m=4 s=23
